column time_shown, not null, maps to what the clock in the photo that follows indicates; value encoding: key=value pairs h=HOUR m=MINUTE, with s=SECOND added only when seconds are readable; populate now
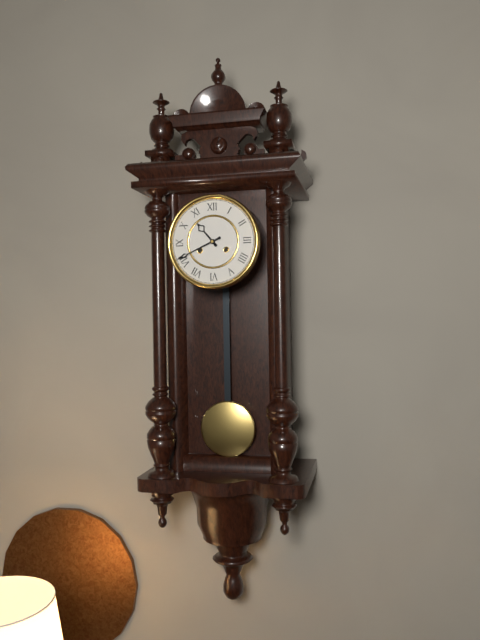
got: h=10 m=41
